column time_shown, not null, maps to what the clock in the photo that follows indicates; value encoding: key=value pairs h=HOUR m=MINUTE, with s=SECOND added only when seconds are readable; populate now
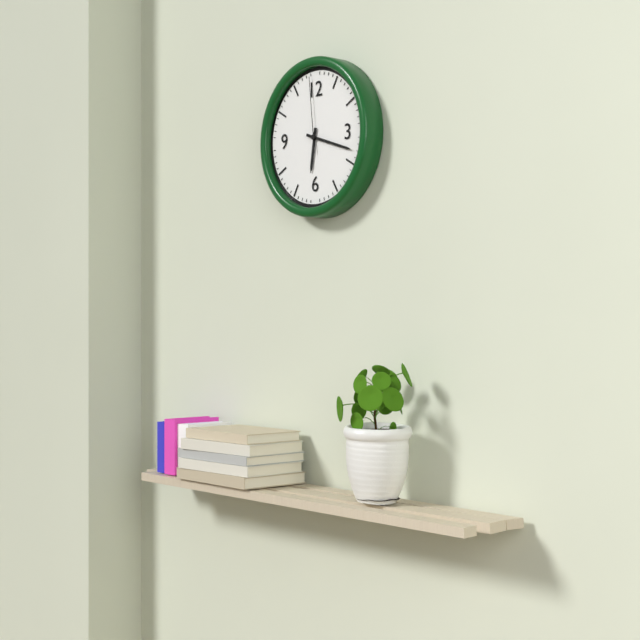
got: h=6 m=18 s=59
